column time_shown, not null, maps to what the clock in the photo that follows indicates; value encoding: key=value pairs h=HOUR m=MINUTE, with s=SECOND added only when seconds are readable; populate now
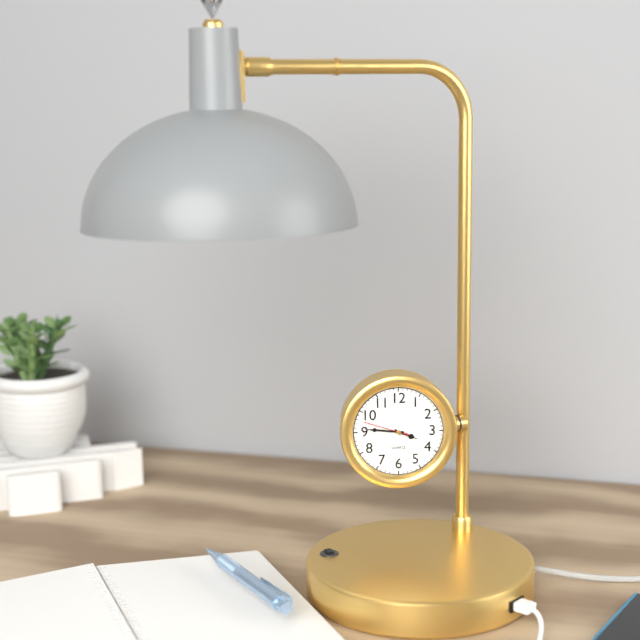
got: h=3 m=46
